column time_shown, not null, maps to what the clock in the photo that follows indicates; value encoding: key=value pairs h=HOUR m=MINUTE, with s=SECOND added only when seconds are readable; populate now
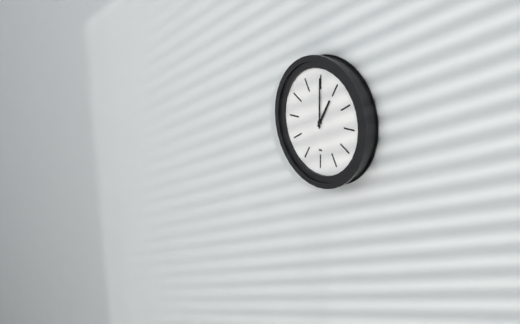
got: h=1 m=0
